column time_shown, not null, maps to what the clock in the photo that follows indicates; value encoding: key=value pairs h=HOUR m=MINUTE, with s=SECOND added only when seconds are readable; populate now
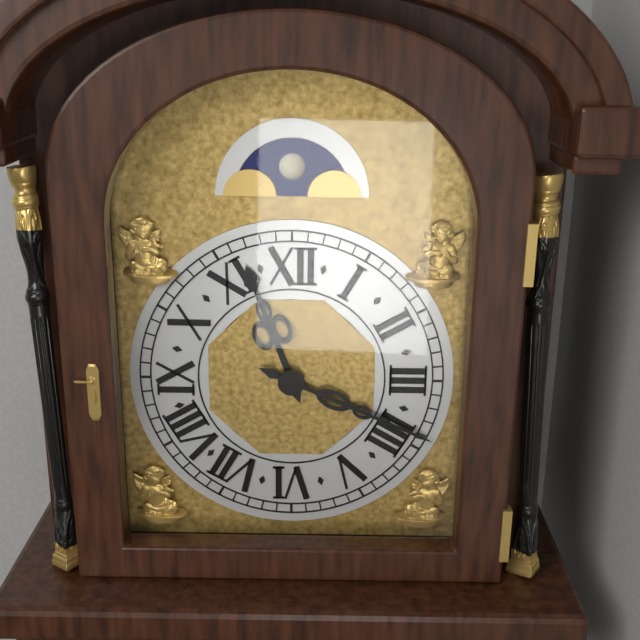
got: h=11 m=19
